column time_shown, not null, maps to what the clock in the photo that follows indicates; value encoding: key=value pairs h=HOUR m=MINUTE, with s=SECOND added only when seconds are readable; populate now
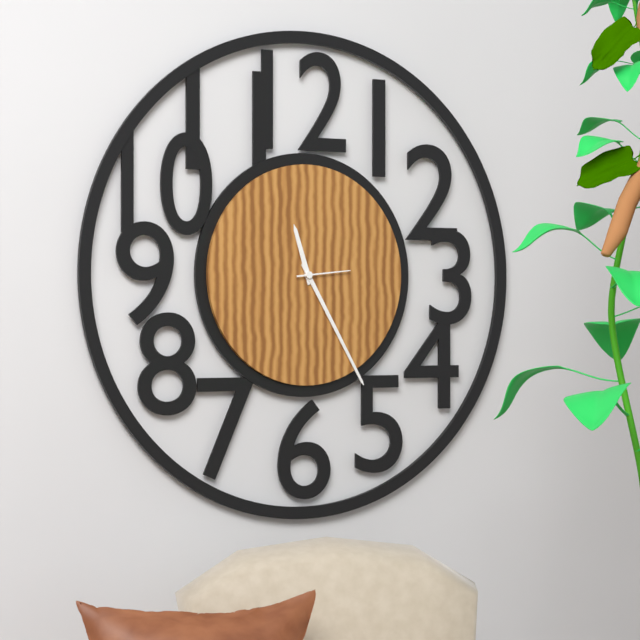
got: h=11 m=25 s=14
